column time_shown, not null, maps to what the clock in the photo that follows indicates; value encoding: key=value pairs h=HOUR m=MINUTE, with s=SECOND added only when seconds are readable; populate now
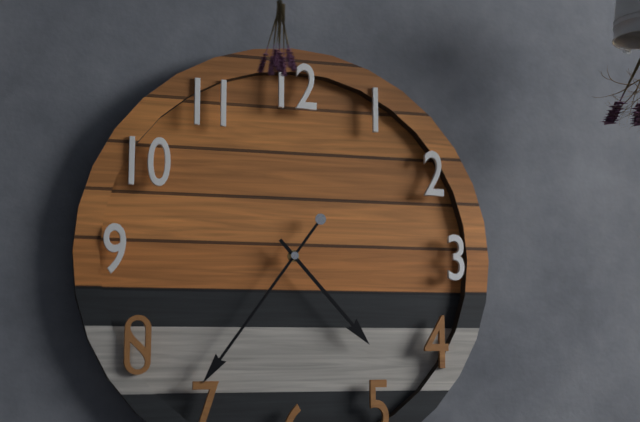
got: h=4 m=36
